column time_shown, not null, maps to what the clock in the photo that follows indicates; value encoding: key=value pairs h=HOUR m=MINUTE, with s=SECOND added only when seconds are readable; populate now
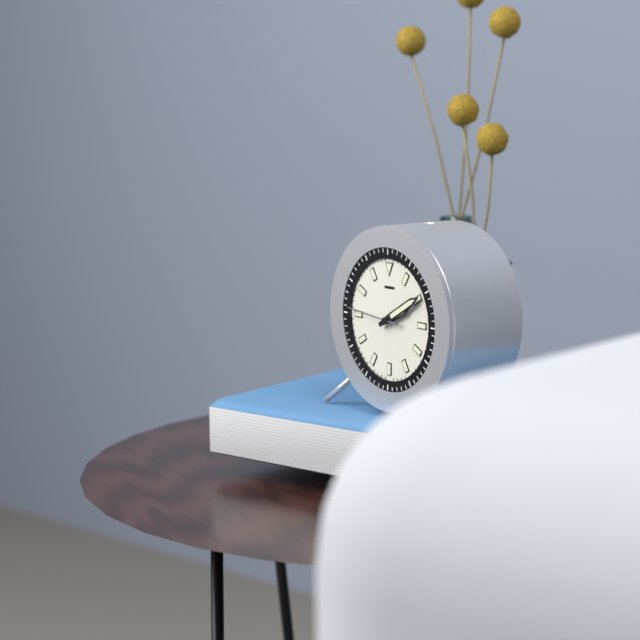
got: h=2 m=10
